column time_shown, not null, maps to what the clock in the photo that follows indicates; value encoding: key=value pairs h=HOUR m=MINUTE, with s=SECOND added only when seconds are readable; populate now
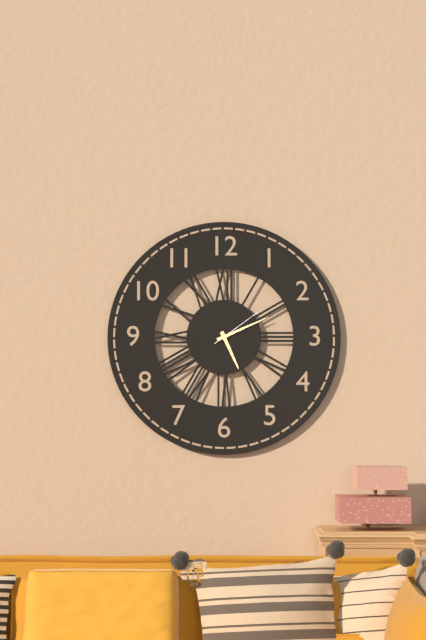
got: h=5 m=11 s=9
